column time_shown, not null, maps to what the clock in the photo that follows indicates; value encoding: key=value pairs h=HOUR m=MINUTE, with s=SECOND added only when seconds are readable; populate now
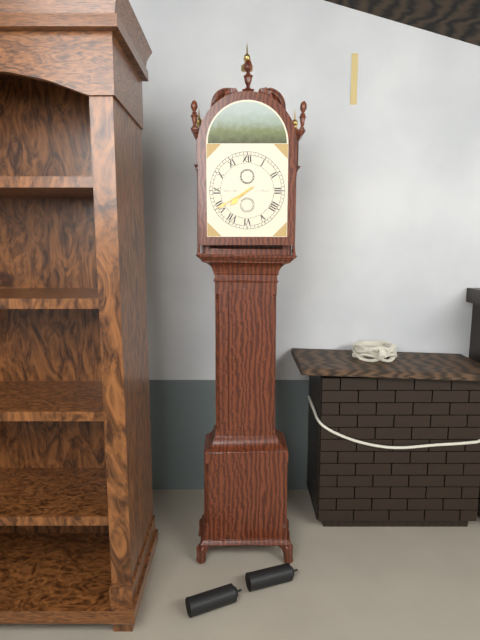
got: h=7 m=40
